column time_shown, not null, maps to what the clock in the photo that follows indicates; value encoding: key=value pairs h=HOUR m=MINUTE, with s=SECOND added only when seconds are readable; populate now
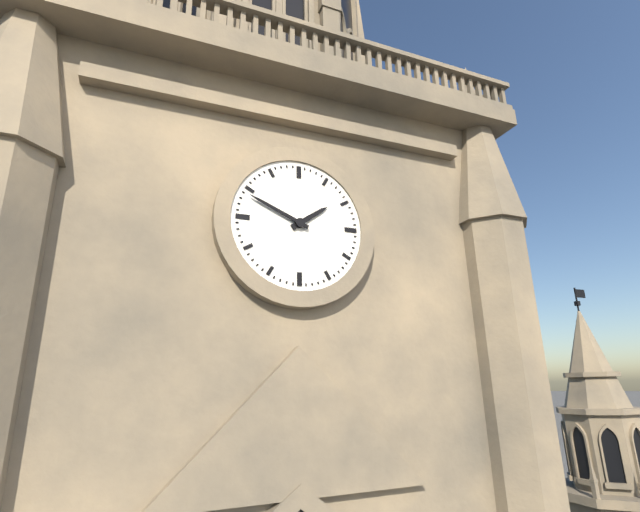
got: h=1 m=49
